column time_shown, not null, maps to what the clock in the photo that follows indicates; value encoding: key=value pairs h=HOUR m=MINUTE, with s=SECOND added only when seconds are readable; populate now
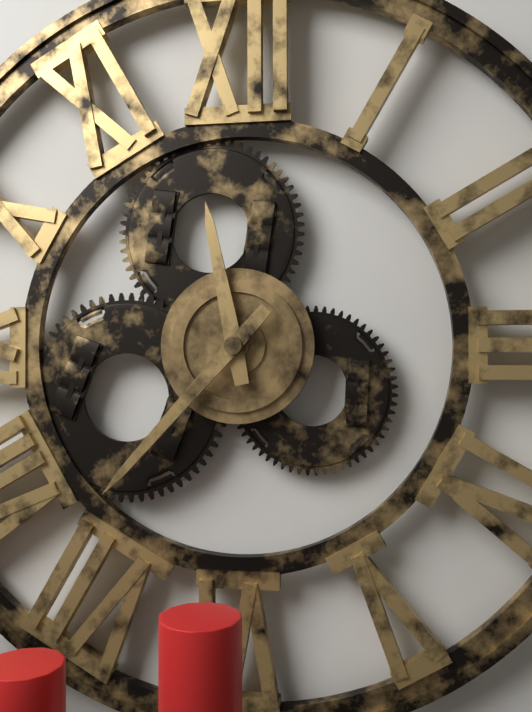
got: h=11 m=37
